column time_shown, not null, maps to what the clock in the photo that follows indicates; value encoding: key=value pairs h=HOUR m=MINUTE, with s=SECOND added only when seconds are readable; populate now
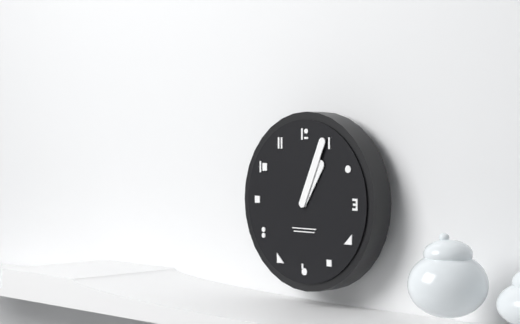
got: h=1 m=4
